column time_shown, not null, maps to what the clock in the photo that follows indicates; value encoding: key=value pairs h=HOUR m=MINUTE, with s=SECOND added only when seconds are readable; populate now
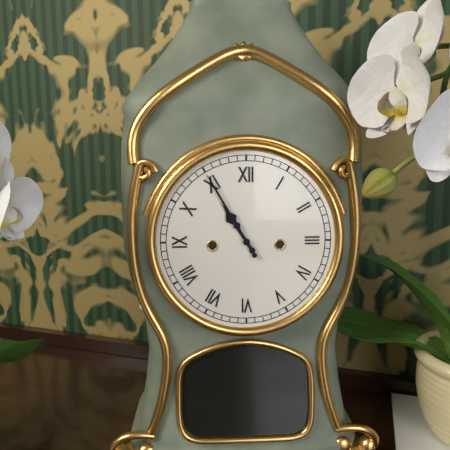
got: h=10 m=55
